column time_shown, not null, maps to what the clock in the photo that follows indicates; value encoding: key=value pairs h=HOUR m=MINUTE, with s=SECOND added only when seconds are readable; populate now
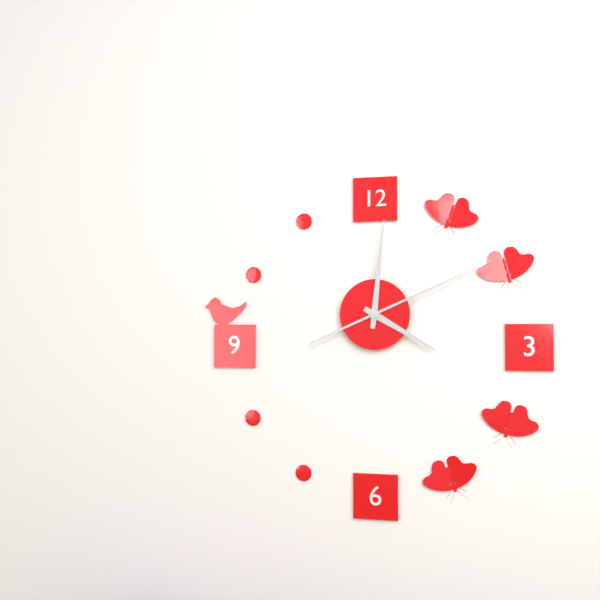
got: h=4 m=1 s=11
